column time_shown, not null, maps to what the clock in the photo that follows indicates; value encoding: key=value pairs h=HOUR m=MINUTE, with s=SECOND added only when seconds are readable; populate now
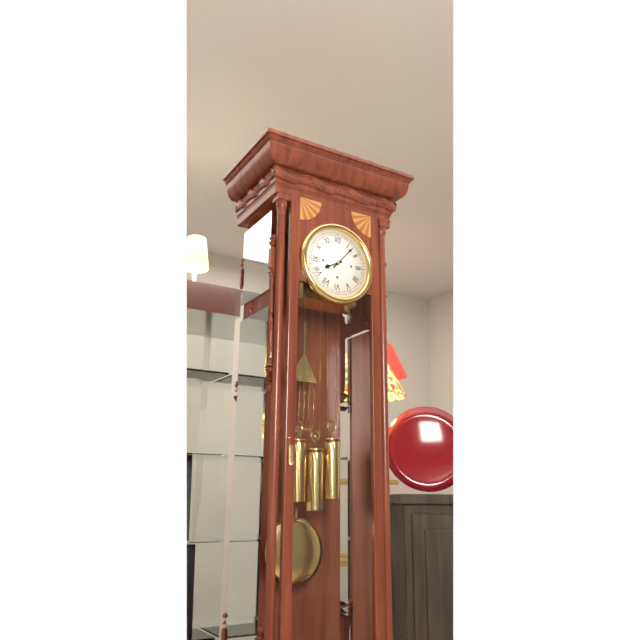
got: h=8 m=7
